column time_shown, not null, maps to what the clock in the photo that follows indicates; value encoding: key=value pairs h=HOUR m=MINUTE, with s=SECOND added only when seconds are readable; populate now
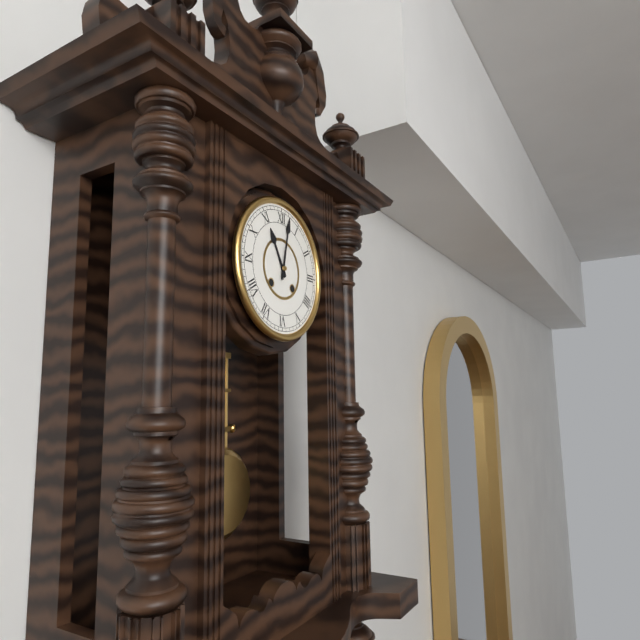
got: h=11 m=2
